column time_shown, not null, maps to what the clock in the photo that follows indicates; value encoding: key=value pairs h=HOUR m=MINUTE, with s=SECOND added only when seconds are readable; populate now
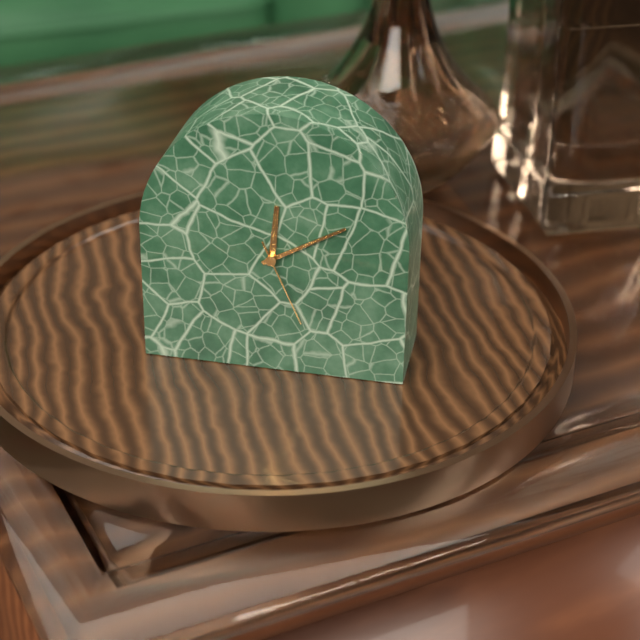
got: h=12 m=10 s=26
